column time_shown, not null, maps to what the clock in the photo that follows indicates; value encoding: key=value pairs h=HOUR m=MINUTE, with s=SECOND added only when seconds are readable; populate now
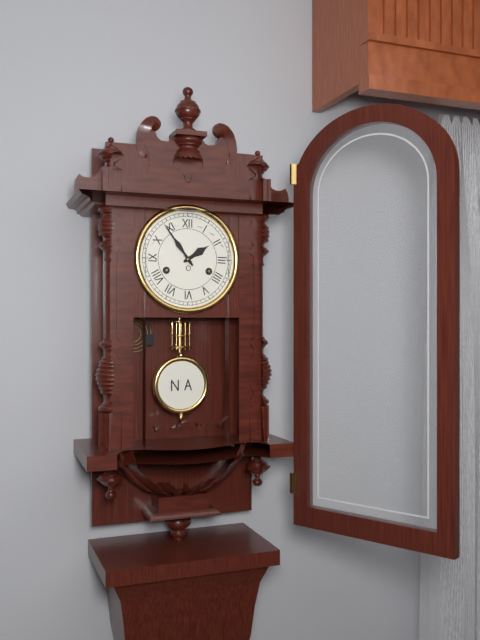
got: h=1 m=54
